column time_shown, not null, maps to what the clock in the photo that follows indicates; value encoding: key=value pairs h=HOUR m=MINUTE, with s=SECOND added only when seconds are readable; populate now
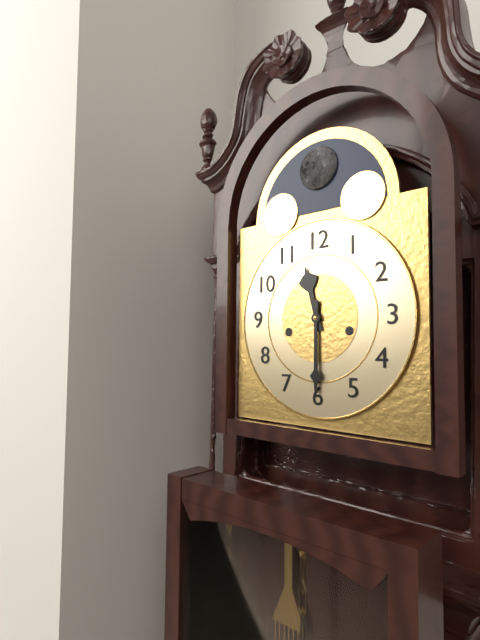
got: h=11 m=30
